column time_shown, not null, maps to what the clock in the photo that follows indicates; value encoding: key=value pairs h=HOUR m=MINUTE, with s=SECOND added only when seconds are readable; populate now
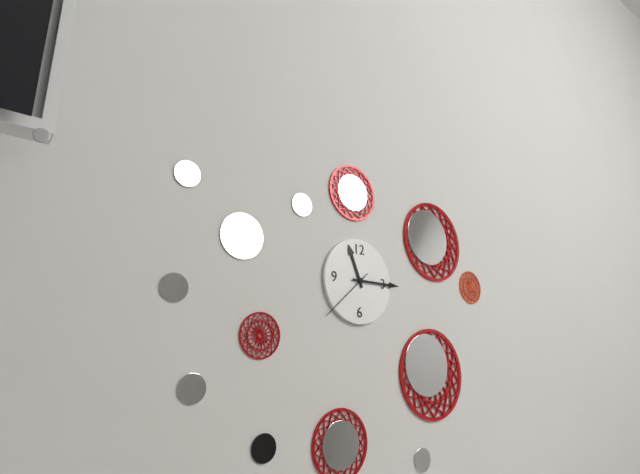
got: h=11 m=15 s=38
